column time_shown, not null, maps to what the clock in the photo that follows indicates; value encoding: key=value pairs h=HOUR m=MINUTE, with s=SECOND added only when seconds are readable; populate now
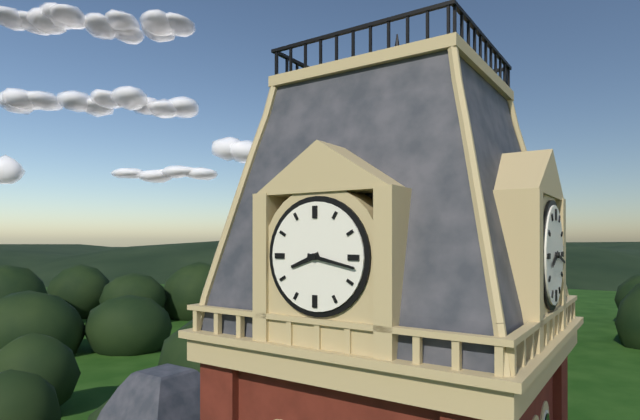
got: h=8 m=17
